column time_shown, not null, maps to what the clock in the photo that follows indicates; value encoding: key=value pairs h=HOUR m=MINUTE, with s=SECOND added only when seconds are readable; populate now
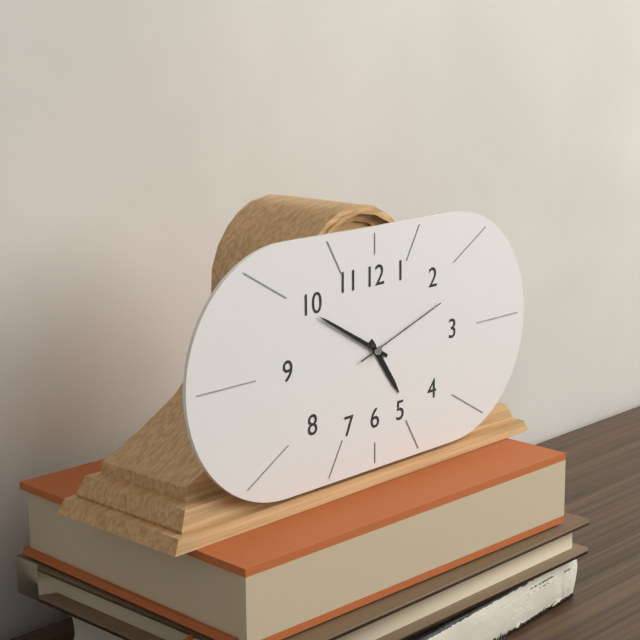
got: h=4 m=50 s=12
